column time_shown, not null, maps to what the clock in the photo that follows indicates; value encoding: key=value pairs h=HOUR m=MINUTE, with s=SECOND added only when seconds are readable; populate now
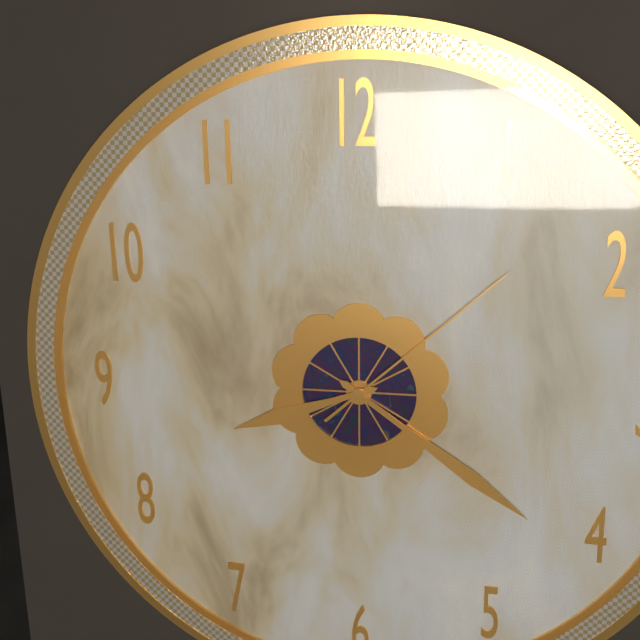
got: h=8 m=21 s=8
